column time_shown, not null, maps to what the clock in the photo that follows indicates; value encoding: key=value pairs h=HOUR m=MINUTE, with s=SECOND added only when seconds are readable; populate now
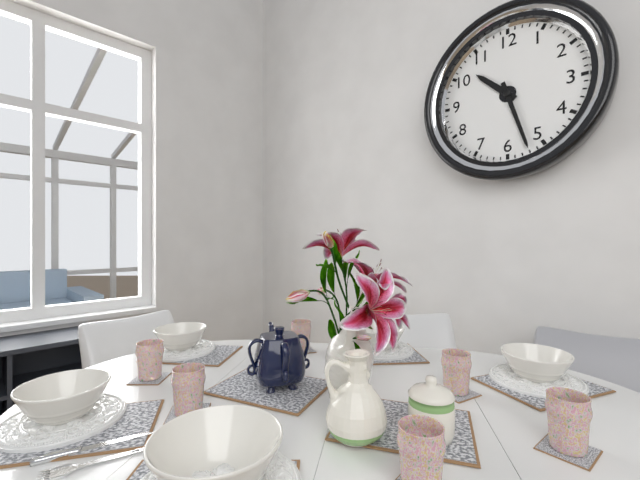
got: h=10 m=27
